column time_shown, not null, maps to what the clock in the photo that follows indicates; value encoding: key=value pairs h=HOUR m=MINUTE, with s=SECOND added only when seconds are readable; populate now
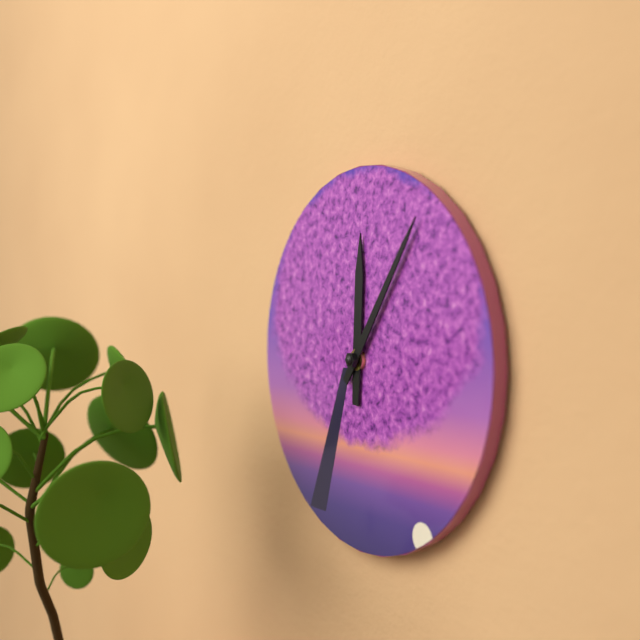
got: h=12 m=6
